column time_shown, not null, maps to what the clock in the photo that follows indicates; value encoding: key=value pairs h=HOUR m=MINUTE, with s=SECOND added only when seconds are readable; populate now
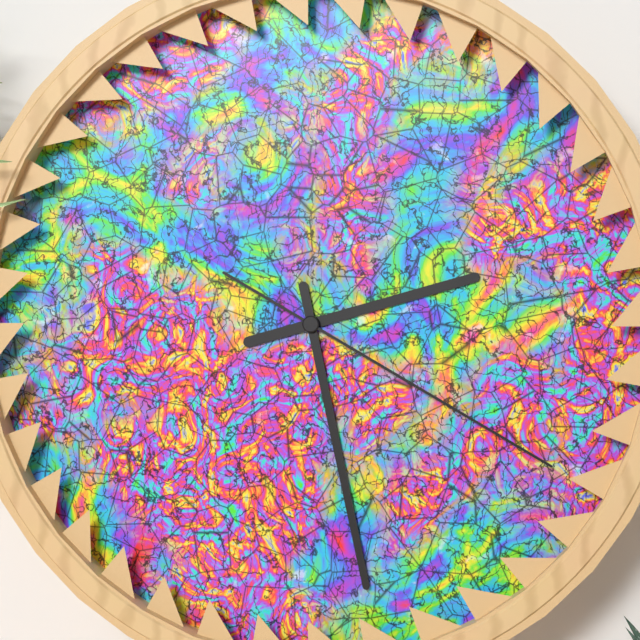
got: h=2 m=28 s=20
